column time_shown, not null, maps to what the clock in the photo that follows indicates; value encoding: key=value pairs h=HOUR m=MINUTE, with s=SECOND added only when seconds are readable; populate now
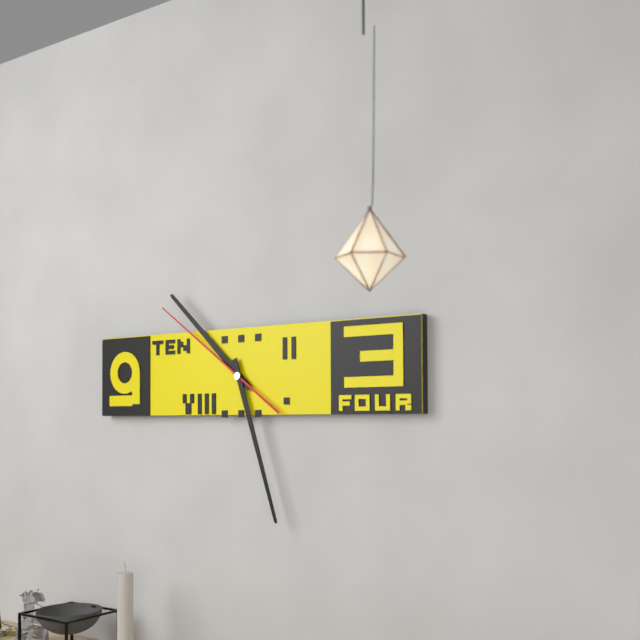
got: h=10 m=27 s=51
